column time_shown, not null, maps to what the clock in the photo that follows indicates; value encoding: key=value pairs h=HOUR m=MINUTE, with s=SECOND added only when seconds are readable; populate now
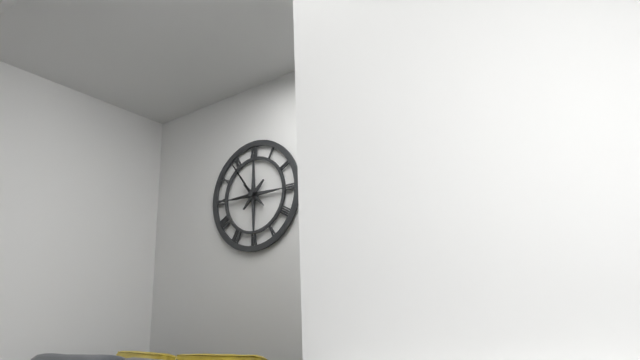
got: h=8 m=54
